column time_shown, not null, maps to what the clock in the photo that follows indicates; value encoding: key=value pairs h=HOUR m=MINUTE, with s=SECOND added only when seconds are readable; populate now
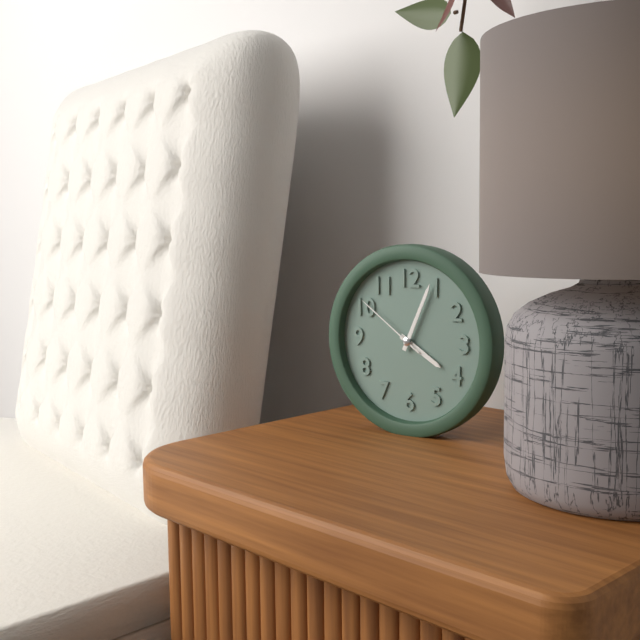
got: h=4 m=4 s=51
